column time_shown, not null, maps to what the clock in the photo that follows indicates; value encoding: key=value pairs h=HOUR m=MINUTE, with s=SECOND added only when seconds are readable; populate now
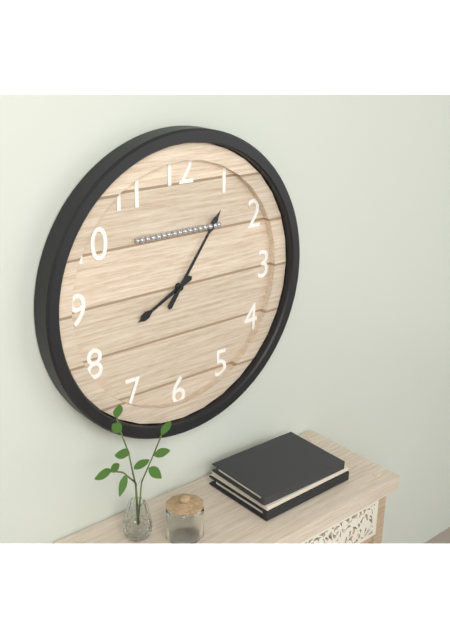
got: h=8 m=6
